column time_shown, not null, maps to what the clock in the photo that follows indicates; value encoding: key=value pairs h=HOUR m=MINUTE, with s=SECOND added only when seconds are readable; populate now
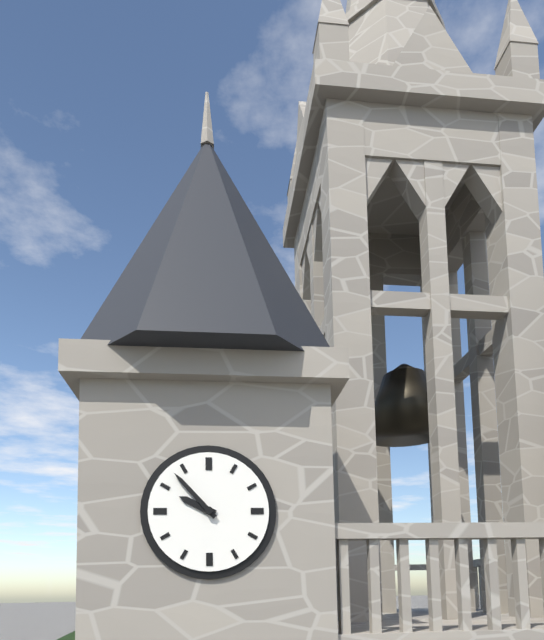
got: h=9 m=53
